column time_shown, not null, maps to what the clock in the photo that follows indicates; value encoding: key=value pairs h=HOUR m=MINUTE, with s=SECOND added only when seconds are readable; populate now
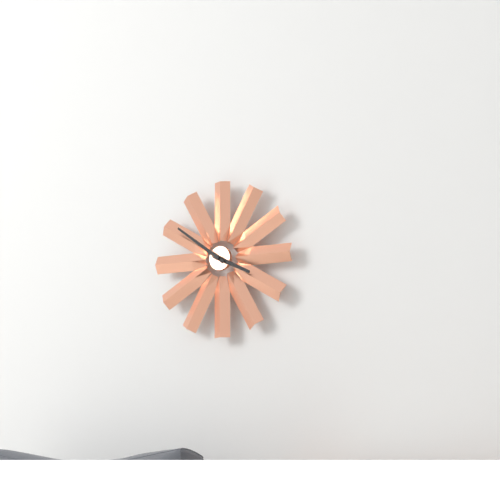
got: h=3 m=51
